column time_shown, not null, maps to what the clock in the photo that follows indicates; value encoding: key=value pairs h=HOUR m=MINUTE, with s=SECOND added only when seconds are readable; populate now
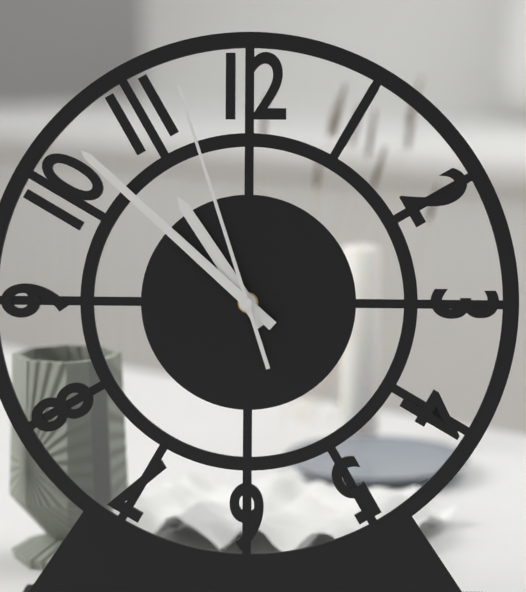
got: h=10 m=52 s=57
